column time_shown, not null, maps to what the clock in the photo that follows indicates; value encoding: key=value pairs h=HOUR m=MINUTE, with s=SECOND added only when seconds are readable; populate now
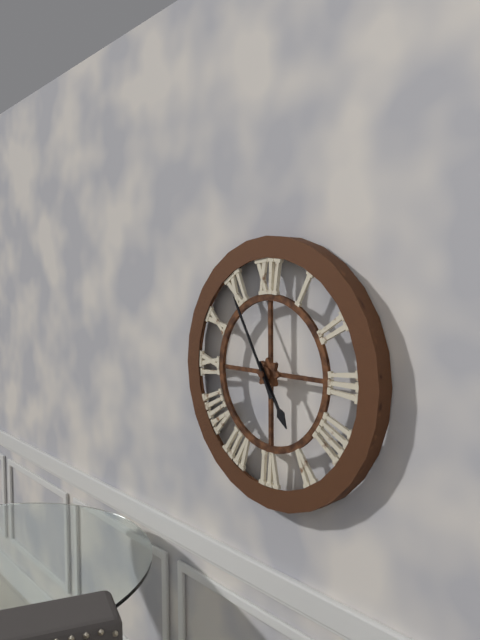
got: h=4 m=55
